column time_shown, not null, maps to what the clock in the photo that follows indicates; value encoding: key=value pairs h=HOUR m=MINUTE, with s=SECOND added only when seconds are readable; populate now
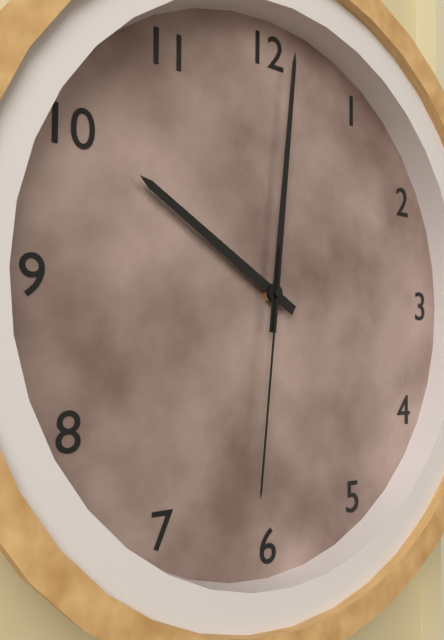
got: h=10 m=1 s=31
